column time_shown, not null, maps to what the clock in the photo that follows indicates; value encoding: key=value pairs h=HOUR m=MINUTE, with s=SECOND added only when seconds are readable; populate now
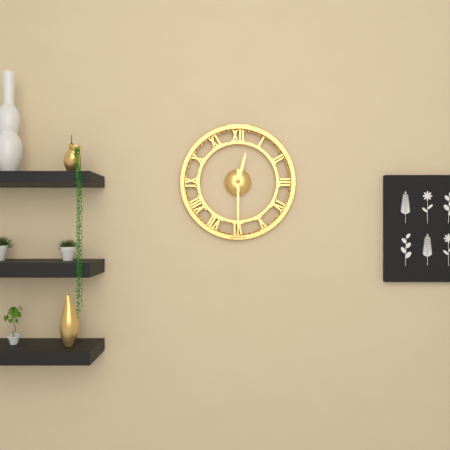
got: h=12 m=30
